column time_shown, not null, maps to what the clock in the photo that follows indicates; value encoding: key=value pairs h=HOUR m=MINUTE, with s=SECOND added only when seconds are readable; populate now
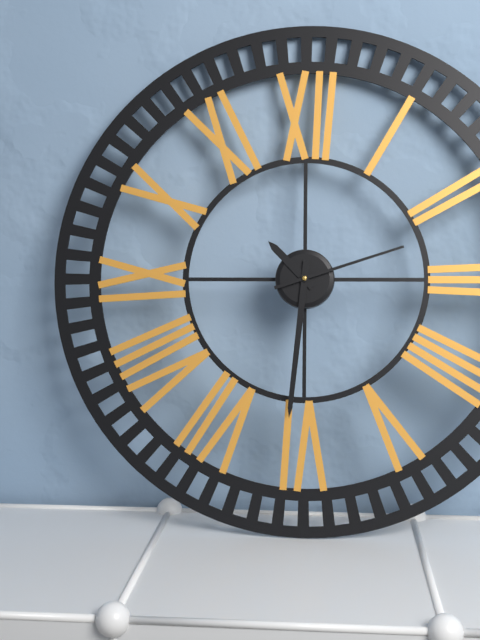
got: h=10 m=31 s=12
